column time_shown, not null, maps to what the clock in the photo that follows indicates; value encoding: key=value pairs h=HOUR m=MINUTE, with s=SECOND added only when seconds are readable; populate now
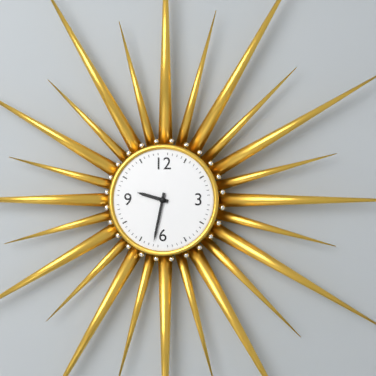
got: h=9 m=32
